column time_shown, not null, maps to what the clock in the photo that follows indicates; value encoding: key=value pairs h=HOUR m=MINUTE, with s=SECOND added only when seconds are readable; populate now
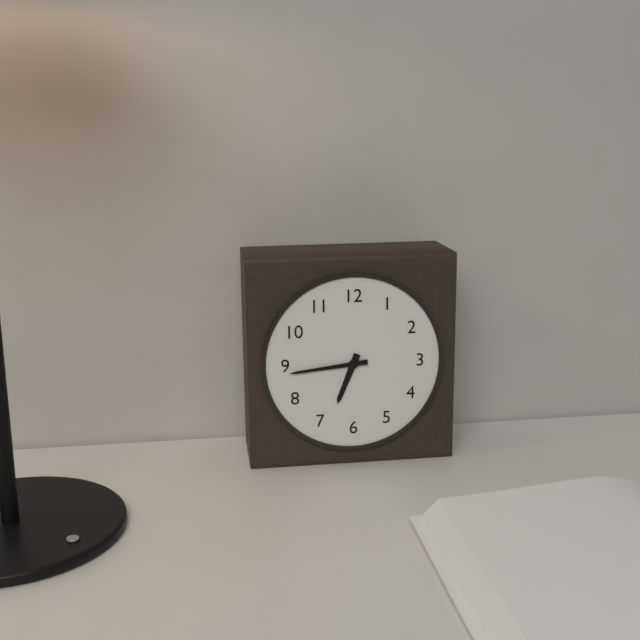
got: h=6 m=44
